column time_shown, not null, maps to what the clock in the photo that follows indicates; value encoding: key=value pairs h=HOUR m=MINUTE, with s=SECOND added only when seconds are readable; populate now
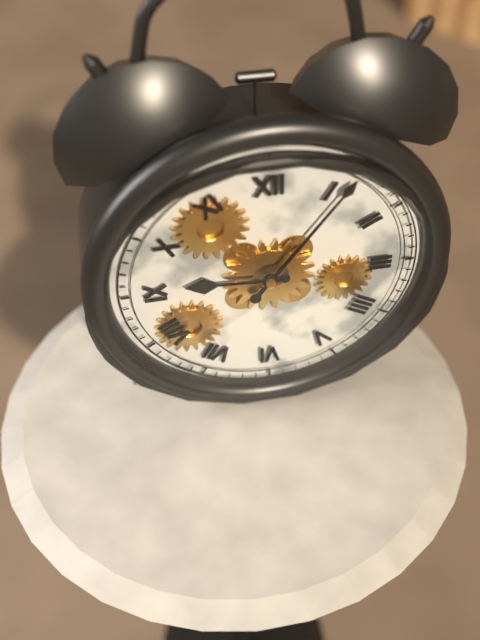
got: h=9 m=6
